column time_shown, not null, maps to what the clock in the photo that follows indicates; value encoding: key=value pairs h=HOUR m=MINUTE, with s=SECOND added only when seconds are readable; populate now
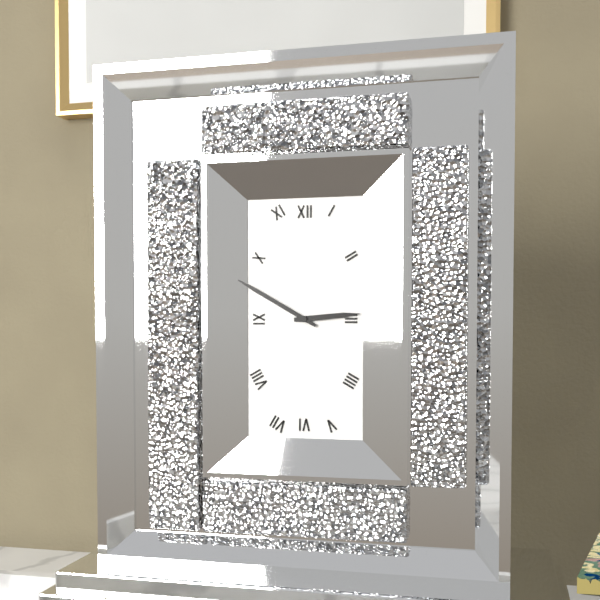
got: h=2 m=50
